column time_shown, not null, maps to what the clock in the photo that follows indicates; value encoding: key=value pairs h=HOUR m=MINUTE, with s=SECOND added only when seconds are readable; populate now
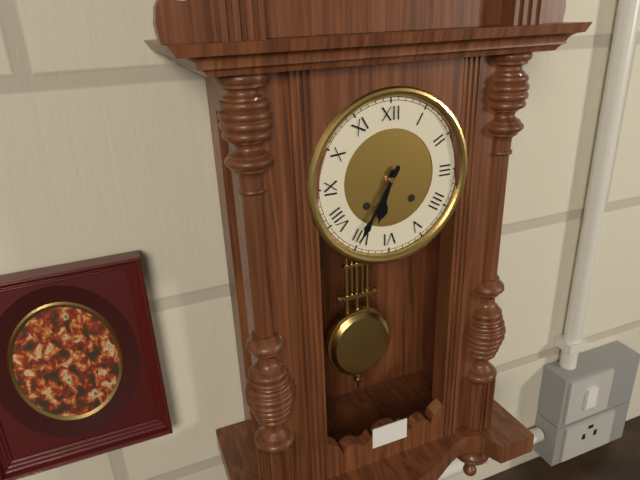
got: h=6 m=35
